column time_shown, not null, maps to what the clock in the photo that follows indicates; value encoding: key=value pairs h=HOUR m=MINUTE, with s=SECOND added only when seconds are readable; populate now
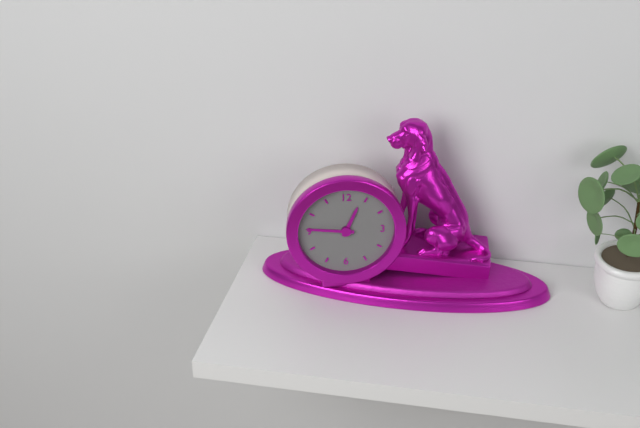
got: h=12 m=46
